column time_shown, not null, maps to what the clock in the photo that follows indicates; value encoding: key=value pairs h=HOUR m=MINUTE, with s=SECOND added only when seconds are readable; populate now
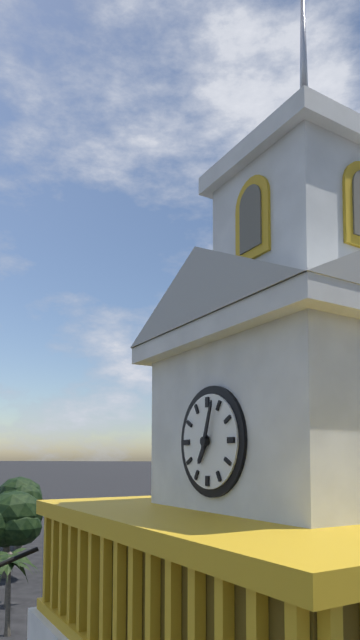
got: h=7 m=3
